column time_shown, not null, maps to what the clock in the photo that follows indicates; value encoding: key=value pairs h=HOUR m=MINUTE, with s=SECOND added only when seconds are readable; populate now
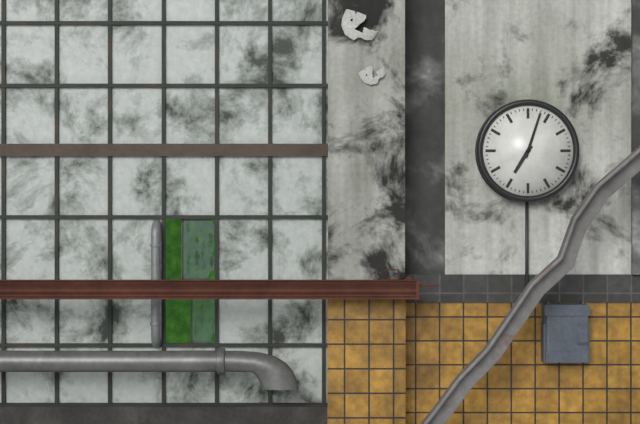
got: h=7 m=3
